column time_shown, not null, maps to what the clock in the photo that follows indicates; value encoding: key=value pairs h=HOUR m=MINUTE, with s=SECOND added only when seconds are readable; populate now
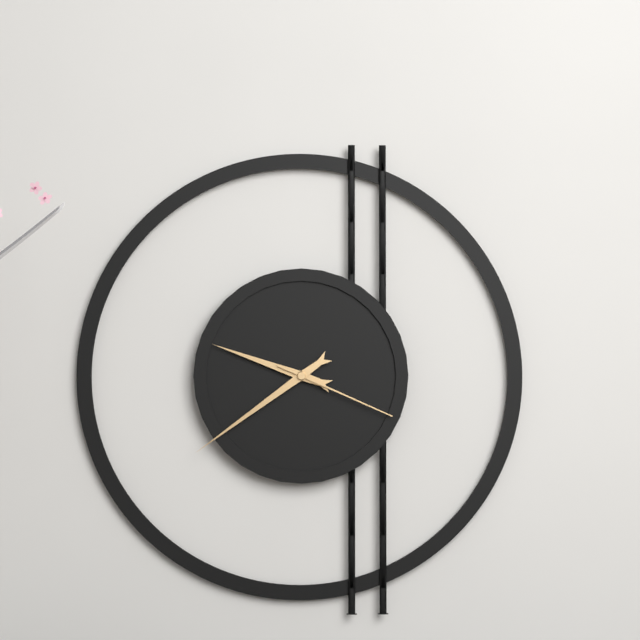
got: h=9 m=39 s=19
